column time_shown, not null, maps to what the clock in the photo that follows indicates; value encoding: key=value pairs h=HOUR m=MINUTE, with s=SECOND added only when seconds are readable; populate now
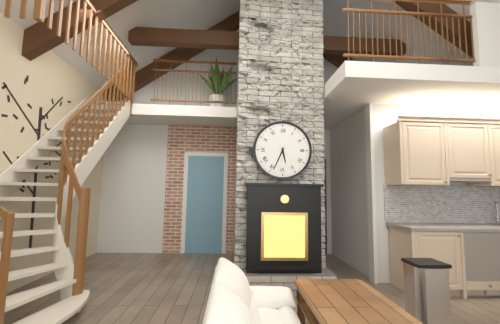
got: h=5 m=34
